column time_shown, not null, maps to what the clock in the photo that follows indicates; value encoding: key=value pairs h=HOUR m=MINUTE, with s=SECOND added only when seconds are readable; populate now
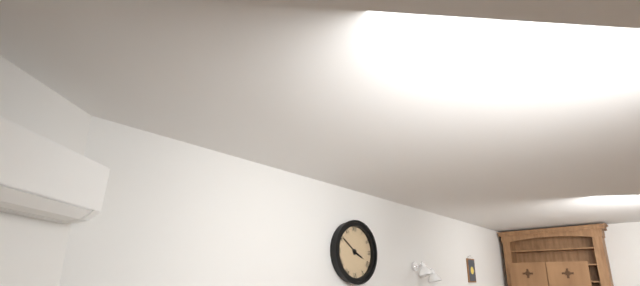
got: h=3 m=51
